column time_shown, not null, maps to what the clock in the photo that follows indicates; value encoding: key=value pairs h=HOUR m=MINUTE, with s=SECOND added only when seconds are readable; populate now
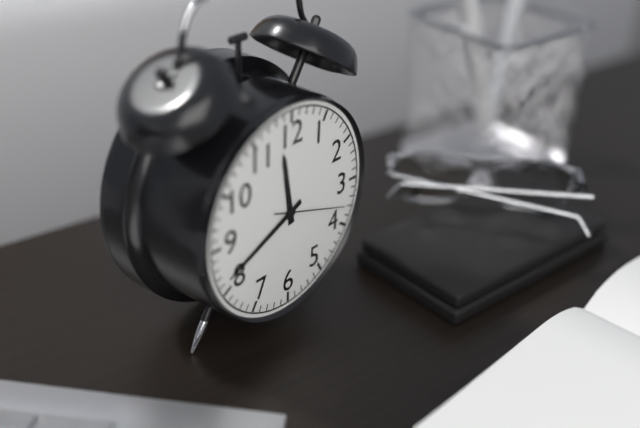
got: h=11 m=41 s=18
